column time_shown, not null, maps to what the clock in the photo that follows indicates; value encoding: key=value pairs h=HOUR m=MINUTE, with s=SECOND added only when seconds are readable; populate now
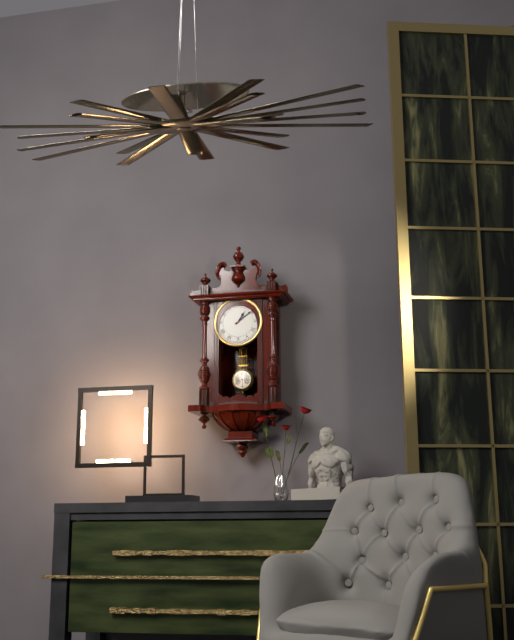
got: h=1 m=9
